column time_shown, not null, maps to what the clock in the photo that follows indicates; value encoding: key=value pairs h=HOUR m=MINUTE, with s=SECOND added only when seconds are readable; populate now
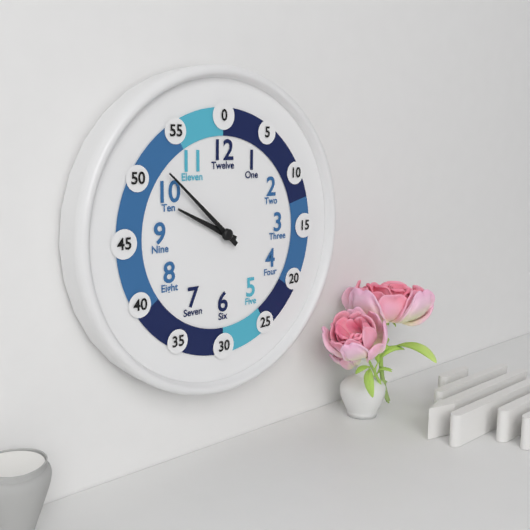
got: h=9 m=52
